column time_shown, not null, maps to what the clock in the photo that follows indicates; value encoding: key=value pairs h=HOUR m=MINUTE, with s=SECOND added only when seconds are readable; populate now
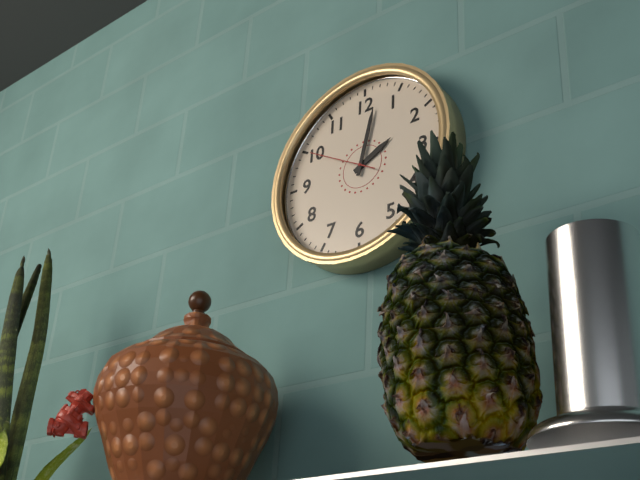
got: h=2 m=2 s=50
